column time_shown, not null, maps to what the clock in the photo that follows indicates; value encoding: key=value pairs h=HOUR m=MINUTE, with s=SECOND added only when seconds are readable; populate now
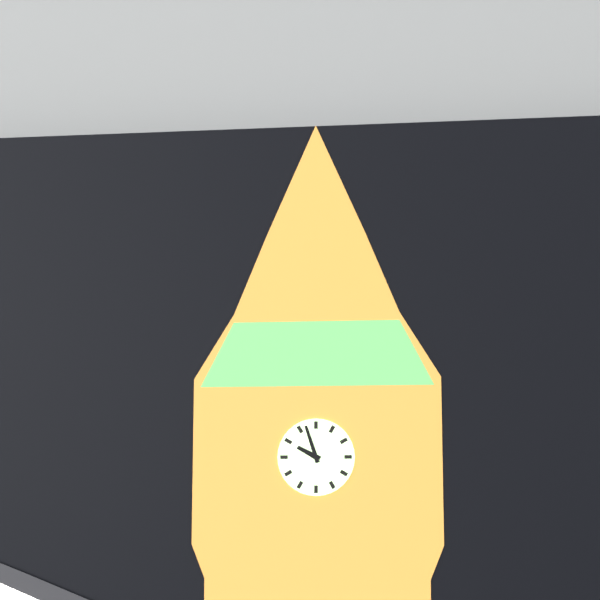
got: h=9 m=57
